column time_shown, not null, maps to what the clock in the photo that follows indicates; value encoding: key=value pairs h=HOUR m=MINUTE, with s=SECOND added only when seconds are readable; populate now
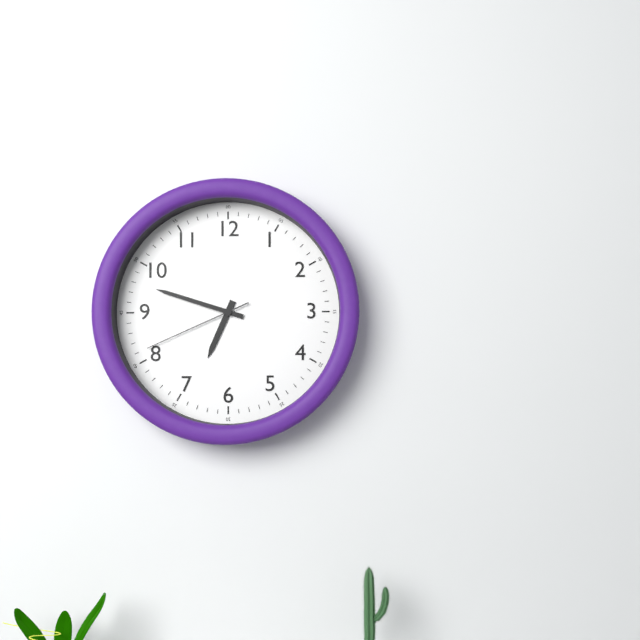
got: h=6 m=48 s=41
